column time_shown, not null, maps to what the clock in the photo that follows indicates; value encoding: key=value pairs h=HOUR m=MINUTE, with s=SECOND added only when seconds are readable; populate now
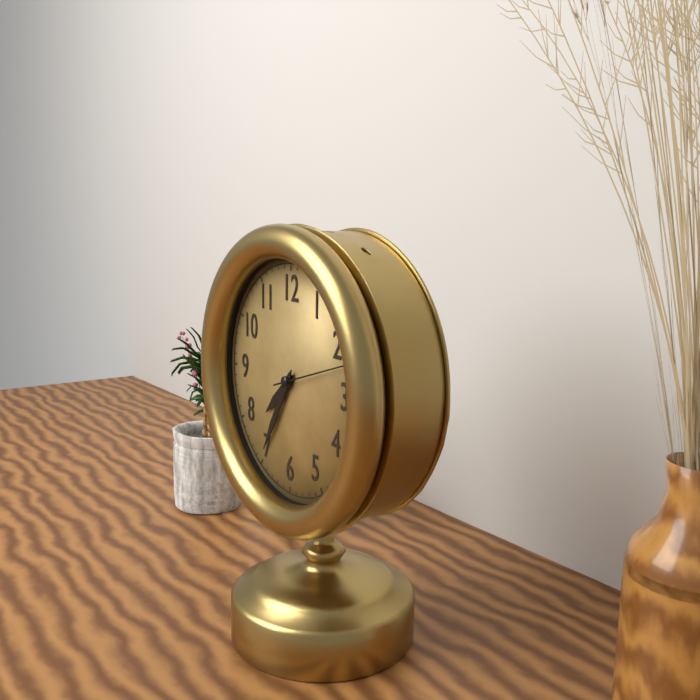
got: h=7 m=35 s=12
